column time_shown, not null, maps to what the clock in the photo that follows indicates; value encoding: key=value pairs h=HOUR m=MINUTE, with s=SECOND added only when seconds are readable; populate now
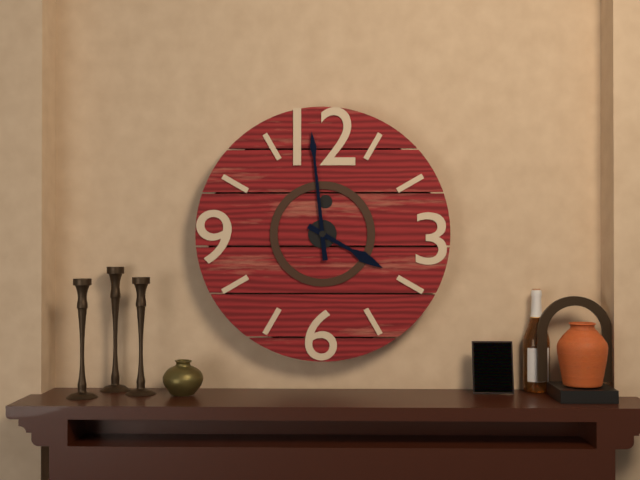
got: h=3 m=59
